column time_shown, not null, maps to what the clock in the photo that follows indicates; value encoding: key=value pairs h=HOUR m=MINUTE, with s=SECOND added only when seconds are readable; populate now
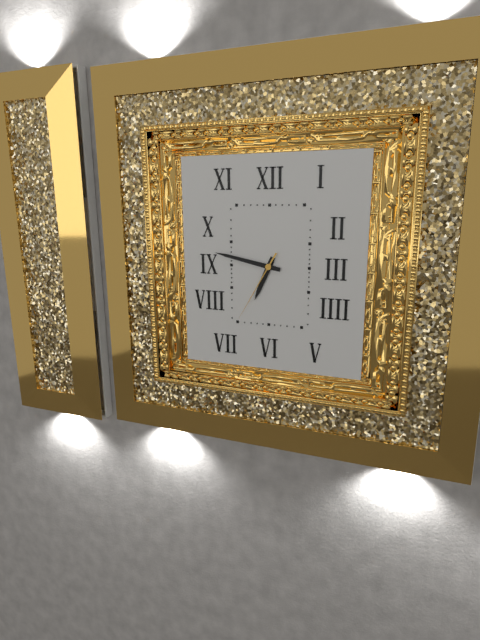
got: h=6 m=47 s=35
